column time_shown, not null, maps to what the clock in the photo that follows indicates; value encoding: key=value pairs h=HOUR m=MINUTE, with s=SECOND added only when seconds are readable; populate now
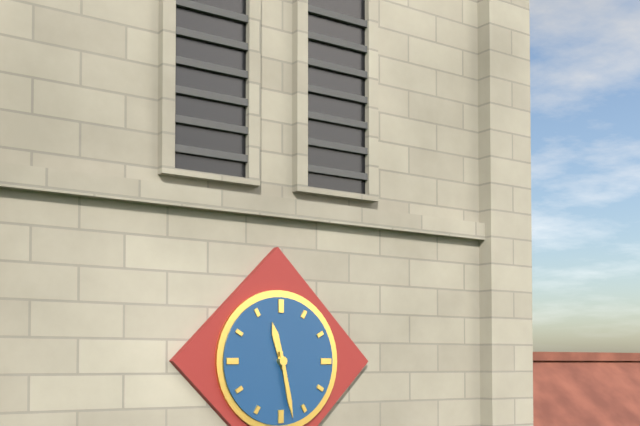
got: h=11 m=28
